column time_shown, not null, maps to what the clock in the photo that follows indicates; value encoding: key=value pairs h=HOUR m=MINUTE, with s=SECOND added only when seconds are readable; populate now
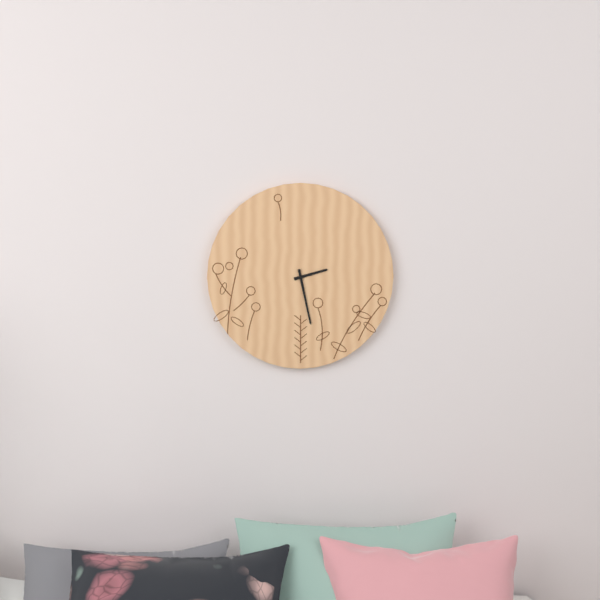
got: h=2 m=28
